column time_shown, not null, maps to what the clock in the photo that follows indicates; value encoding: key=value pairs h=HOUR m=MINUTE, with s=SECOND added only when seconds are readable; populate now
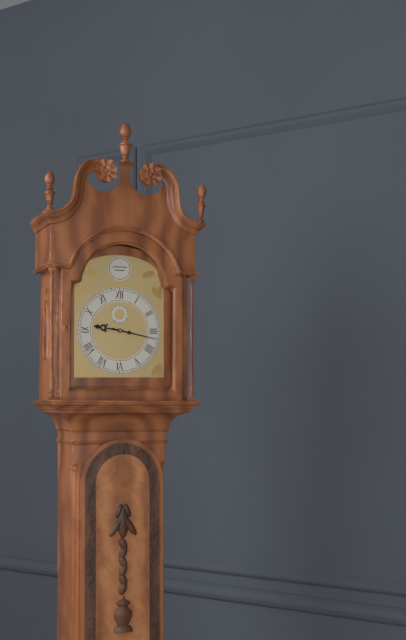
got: h=9 m=17
